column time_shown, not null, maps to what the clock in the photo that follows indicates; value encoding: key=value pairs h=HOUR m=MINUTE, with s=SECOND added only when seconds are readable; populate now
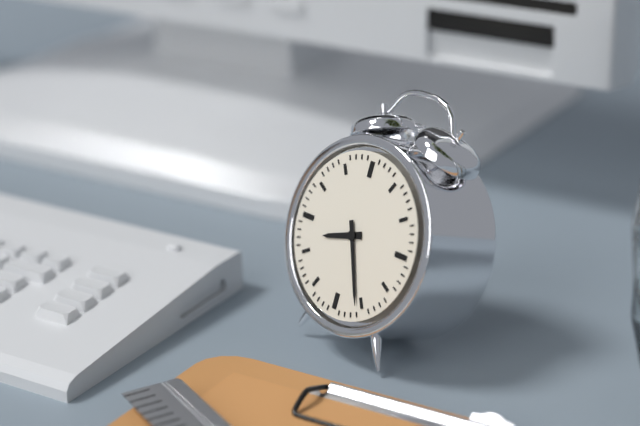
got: h=8 m=26
